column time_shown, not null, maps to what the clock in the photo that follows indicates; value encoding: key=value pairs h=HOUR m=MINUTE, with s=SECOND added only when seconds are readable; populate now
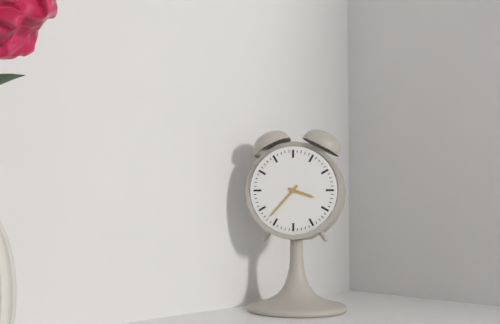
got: h=3 m=37
